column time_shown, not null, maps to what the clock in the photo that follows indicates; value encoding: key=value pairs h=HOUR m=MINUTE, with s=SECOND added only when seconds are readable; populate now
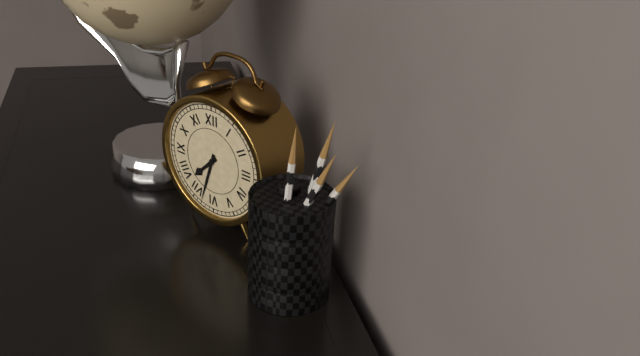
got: h=7 m=33
